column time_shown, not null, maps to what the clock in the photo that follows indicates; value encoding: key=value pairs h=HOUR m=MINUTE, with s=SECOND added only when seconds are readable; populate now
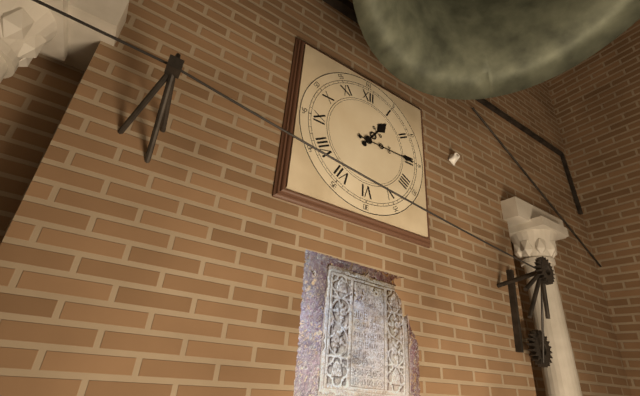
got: h=1 m=15
